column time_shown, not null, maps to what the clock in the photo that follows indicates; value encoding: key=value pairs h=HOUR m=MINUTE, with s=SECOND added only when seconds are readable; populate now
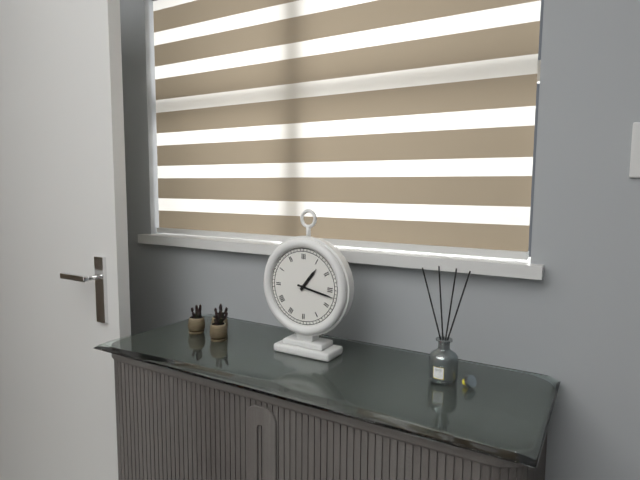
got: h=1 m=17
